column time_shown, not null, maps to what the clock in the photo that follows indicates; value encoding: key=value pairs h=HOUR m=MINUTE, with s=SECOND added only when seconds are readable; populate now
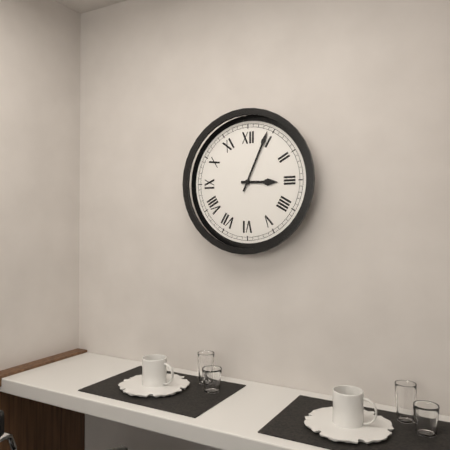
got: h=3 m=4
